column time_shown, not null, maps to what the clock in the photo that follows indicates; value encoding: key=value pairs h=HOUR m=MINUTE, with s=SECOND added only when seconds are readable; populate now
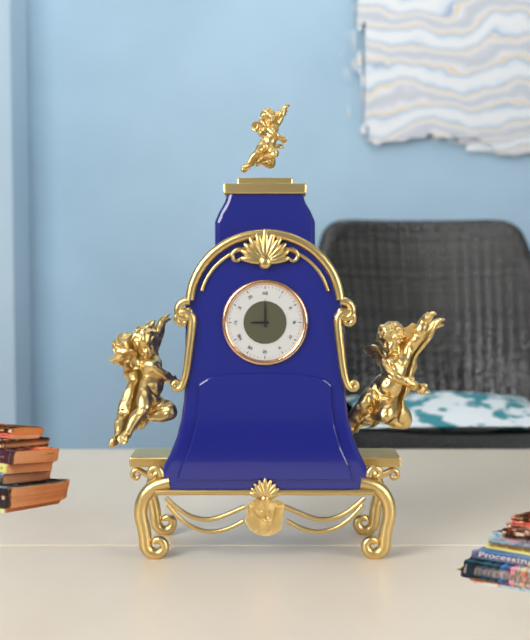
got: h=9 m=0
